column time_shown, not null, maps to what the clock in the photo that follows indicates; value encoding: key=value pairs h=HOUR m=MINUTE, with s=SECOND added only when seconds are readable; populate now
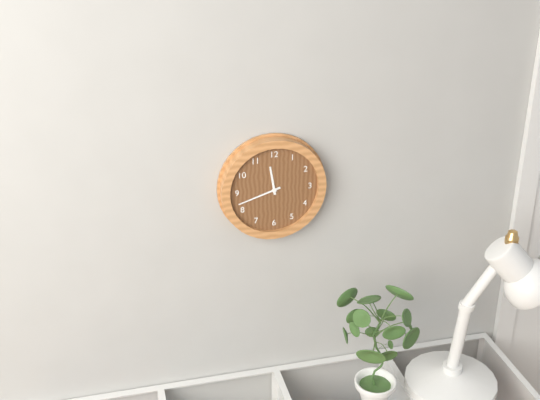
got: h=11 m=42
